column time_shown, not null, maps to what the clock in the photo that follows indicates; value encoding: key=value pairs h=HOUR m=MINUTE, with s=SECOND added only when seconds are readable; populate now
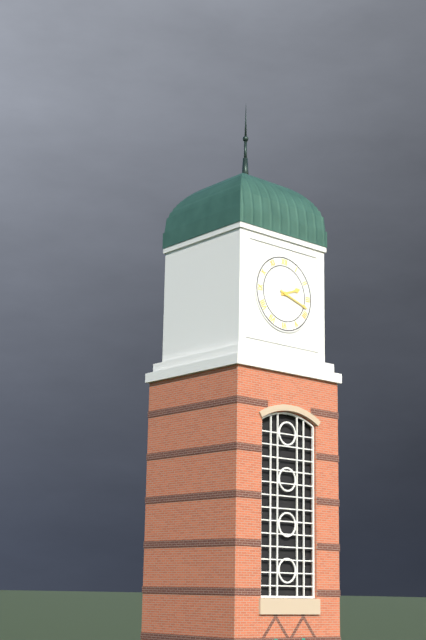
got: h=2 m=18
